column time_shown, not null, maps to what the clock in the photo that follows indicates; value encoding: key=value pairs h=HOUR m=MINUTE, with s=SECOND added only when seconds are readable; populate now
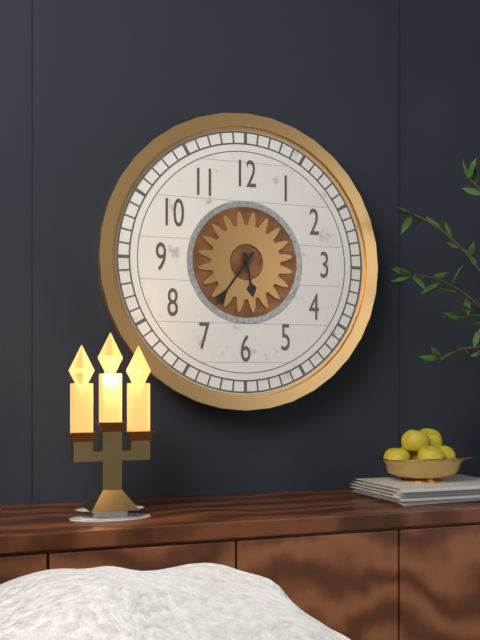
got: h=5 m=36
